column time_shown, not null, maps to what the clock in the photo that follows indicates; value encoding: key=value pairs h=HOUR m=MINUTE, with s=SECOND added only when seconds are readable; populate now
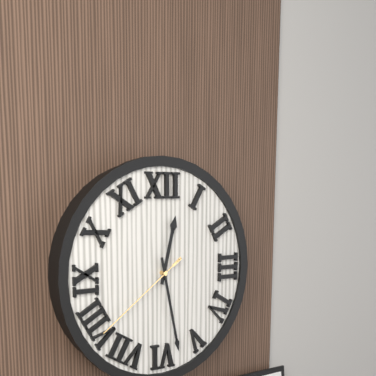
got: h=12 m=28 s=39
